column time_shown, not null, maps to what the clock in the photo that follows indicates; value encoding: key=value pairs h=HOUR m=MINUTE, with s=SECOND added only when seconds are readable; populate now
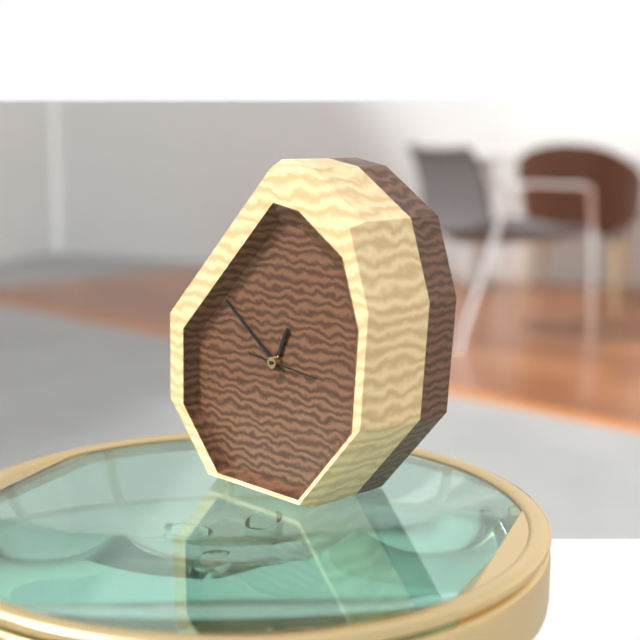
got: h=12 m=51 s=16
